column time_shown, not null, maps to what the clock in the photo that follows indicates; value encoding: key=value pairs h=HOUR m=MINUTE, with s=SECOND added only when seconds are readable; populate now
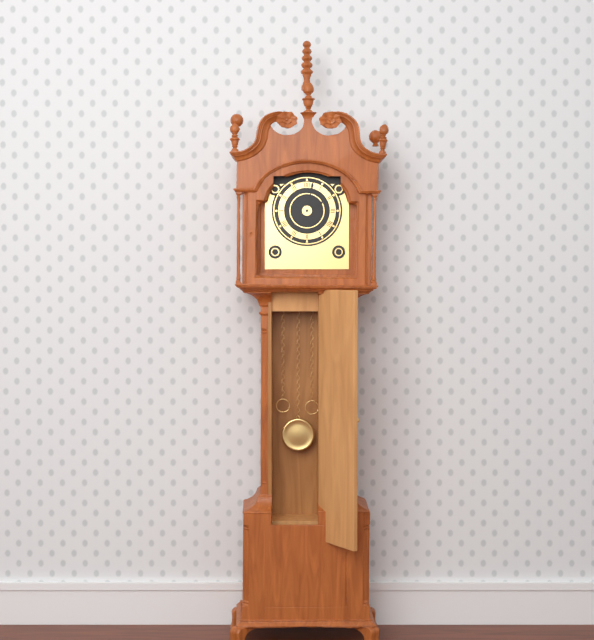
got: h=2 m=2
